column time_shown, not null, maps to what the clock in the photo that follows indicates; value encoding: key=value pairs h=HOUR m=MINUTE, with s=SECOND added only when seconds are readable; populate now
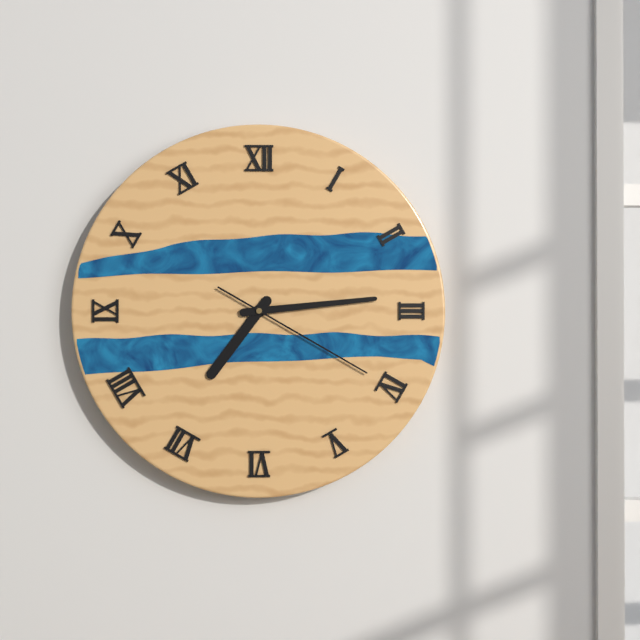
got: h=7 m=14 s=20
